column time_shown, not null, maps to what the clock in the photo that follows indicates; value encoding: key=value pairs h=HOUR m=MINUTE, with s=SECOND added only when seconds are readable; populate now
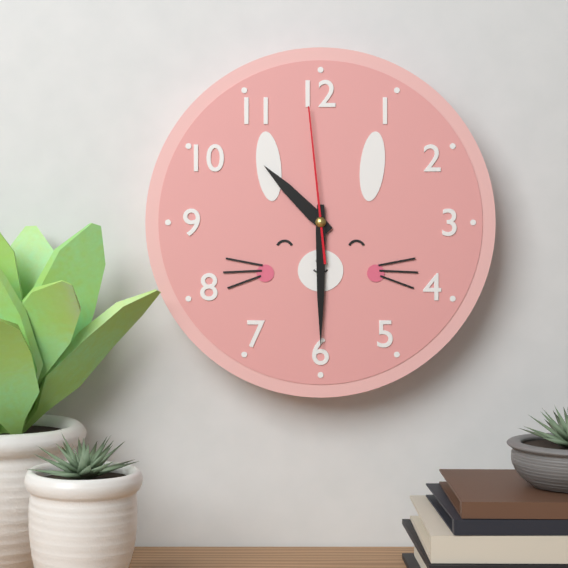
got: h=10 m=30 s=59
